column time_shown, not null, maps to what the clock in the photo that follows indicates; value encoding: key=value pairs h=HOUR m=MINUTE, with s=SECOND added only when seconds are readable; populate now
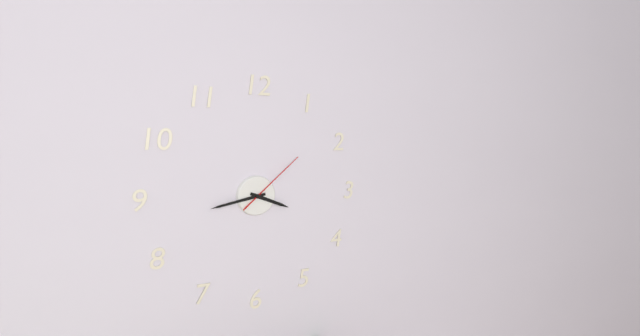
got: h=3 m=43 s=8
